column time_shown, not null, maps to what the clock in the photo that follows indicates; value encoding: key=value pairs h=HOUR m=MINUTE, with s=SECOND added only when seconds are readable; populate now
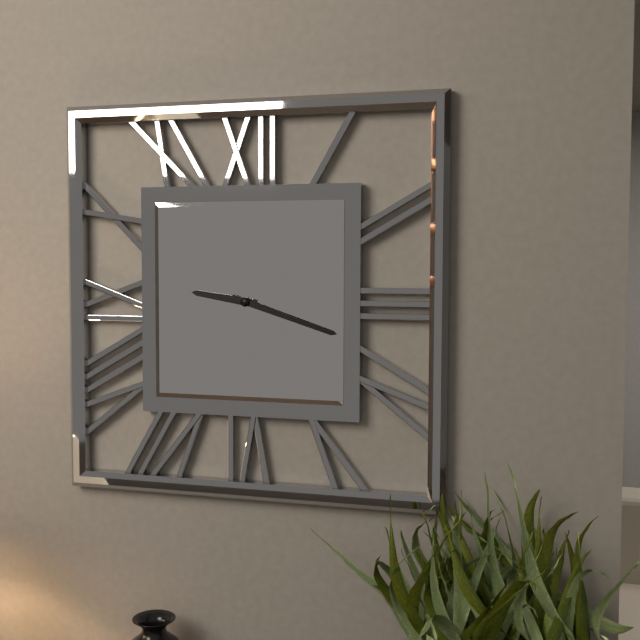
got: h=9 m=18
